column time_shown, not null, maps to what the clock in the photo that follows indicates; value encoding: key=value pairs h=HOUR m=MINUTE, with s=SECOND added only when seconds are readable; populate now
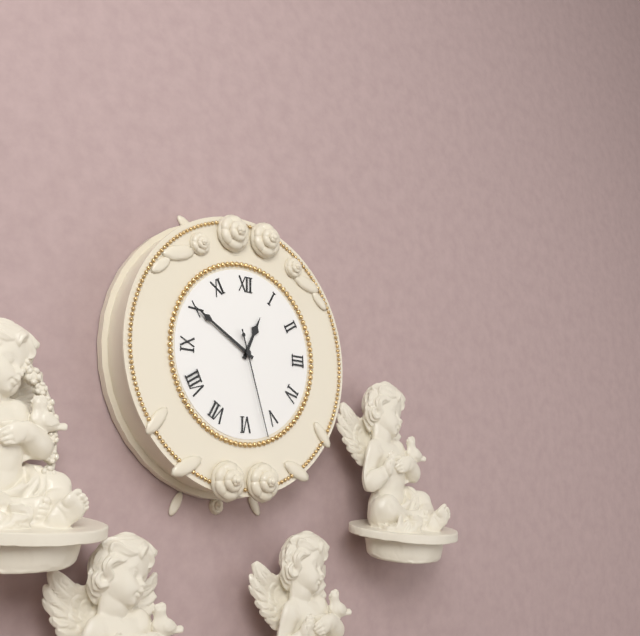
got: h=12 m=50 s=27
